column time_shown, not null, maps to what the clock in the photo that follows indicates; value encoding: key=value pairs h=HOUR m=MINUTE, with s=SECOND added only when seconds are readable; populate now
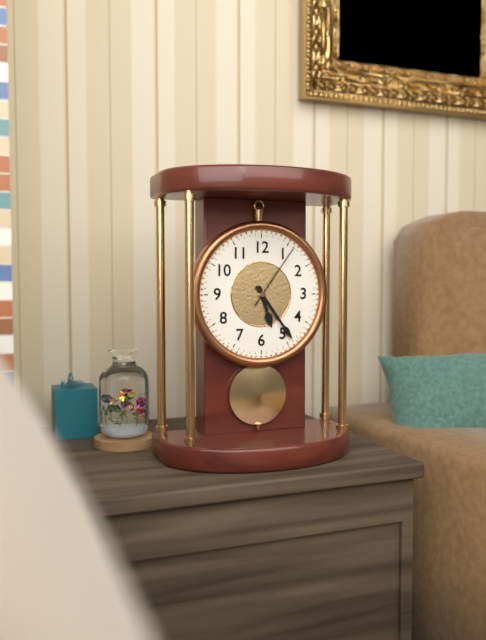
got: h=5 m=24 s=6
